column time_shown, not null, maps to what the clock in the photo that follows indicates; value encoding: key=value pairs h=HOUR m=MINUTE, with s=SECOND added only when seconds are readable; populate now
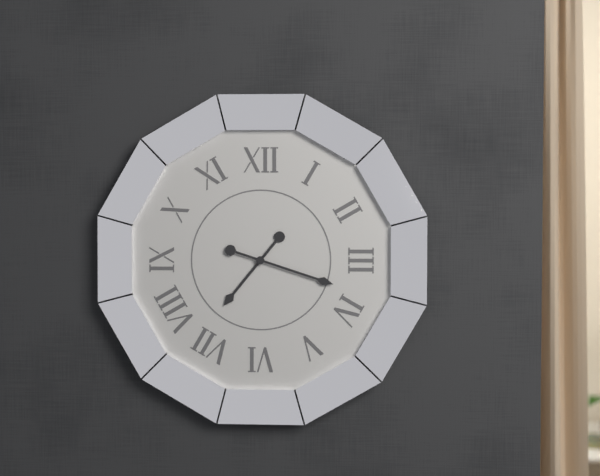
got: h=7 m=18
